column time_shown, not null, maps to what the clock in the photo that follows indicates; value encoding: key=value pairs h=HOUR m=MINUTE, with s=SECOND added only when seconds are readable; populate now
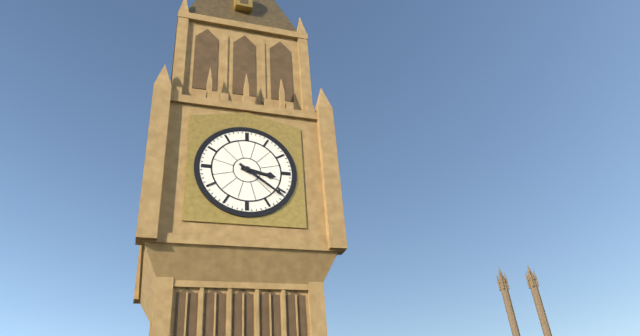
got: h=3 m=21
